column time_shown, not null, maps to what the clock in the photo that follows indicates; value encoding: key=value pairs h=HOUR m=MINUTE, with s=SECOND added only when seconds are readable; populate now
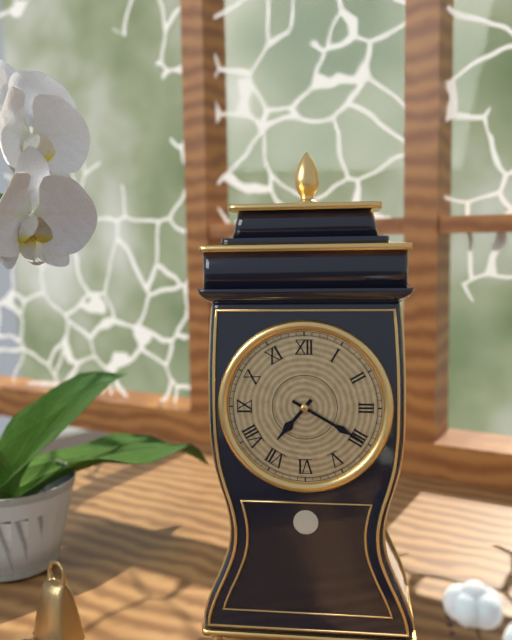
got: h=7 m=20
